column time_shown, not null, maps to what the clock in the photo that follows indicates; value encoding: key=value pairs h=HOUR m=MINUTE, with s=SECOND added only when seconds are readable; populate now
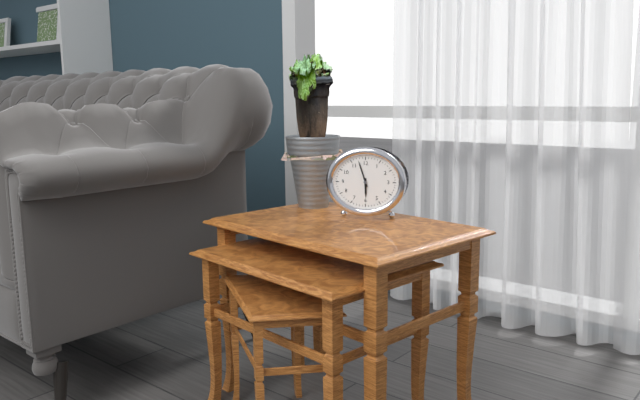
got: h=5 m=57
